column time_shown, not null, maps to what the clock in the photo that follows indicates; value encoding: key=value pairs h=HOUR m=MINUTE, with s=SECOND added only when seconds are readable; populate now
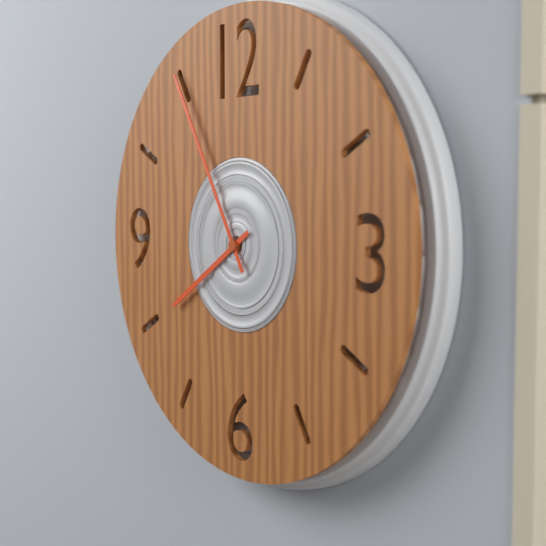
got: h=7 m=55
